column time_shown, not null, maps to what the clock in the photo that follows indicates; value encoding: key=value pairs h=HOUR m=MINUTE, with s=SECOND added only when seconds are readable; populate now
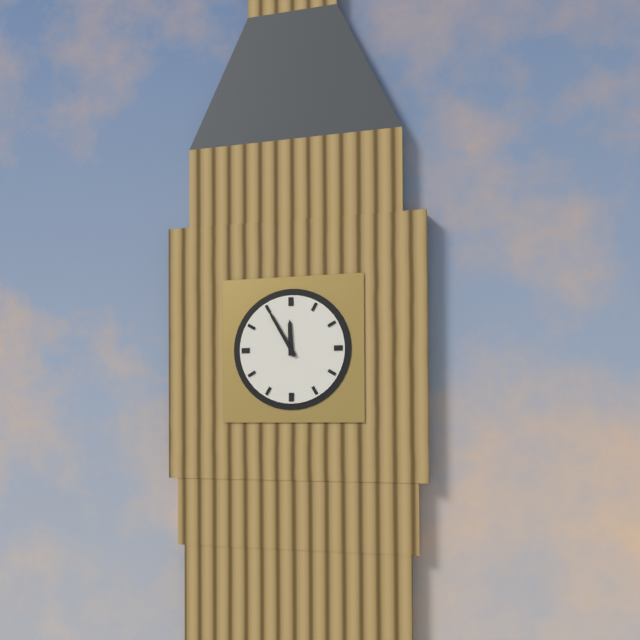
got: h=11 m=55
